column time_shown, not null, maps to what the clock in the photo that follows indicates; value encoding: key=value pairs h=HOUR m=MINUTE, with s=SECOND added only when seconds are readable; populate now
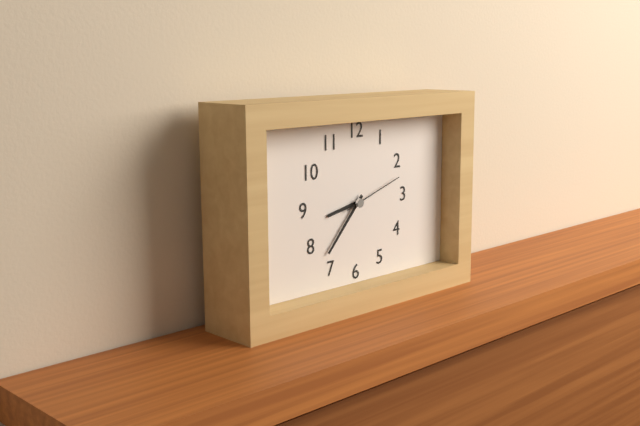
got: h=8 m=37 s=12
